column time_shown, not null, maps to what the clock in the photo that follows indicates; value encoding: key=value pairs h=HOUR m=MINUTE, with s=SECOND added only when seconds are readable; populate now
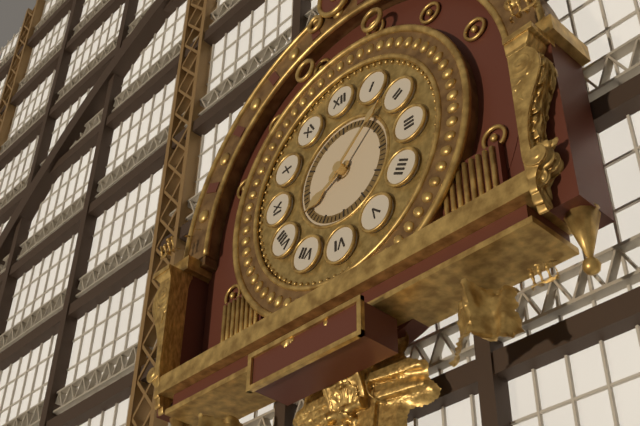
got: h=8 m=8
